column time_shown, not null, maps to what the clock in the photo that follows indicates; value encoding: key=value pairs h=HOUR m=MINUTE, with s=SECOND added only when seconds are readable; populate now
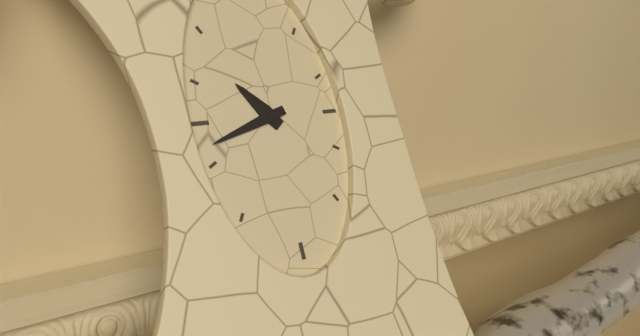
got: h=10 m=42
